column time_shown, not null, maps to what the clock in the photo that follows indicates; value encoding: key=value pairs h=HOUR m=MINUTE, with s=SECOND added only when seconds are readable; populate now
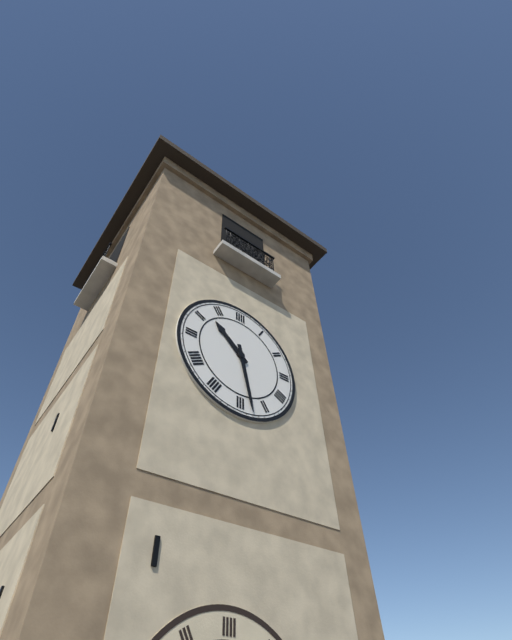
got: h=10 m=28
